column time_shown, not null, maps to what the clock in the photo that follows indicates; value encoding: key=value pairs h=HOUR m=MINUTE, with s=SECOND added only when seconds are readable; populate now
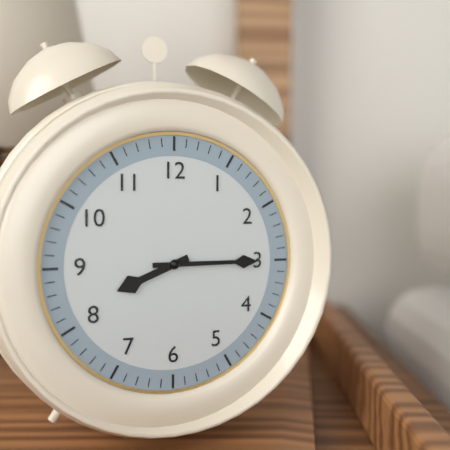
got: h=8 m=15
